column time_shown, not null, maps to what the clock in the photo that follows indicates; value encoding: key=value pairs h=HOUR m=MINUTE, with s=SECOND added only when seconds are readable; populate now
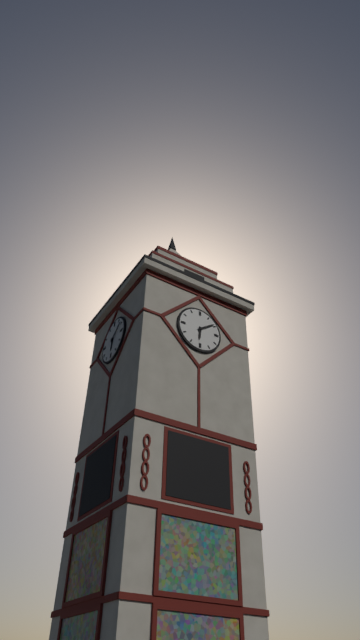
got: h=6 m=9
